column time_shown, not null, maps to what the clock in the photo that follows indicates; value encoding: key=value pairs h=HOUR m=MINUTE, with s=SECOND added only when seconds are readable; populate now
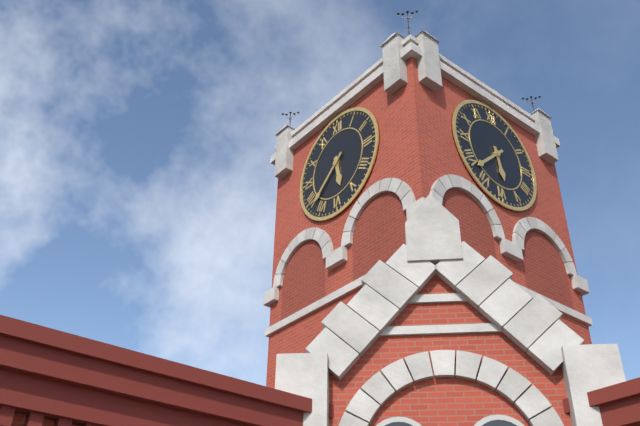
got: h=5 m=38
